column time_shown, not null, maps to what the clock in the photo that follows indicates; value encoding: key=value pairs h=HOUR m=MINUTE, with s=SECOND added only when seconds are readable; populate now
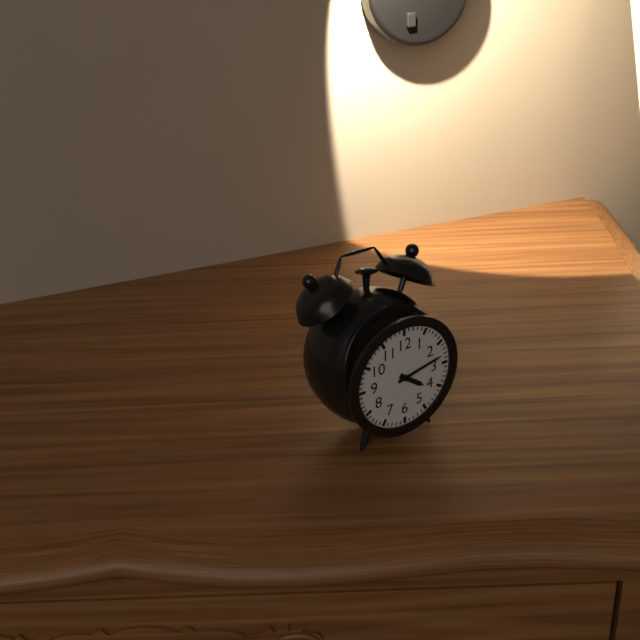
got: h=4 m=13
